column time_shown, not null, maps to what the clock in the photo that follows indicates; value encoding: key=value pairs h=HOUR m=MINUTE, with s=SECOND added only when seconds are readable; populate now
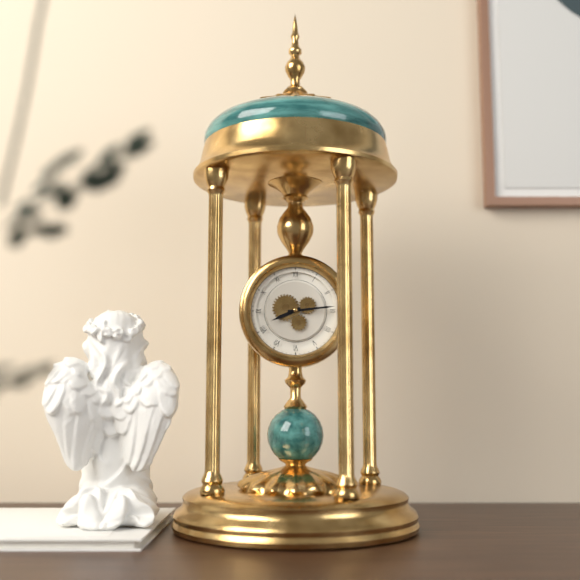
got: h=8 m=14
